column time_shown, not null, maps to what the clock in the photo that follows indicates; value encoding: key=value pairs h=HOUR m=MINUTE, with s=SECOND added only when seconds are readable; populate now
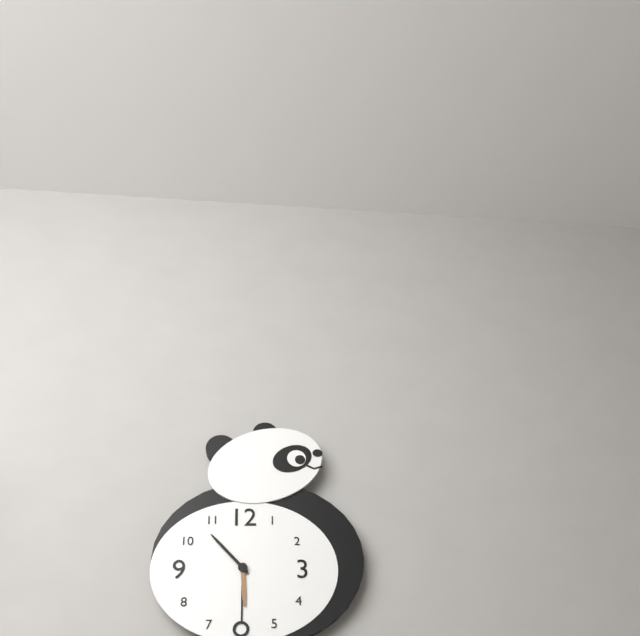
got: h=5 m=53
